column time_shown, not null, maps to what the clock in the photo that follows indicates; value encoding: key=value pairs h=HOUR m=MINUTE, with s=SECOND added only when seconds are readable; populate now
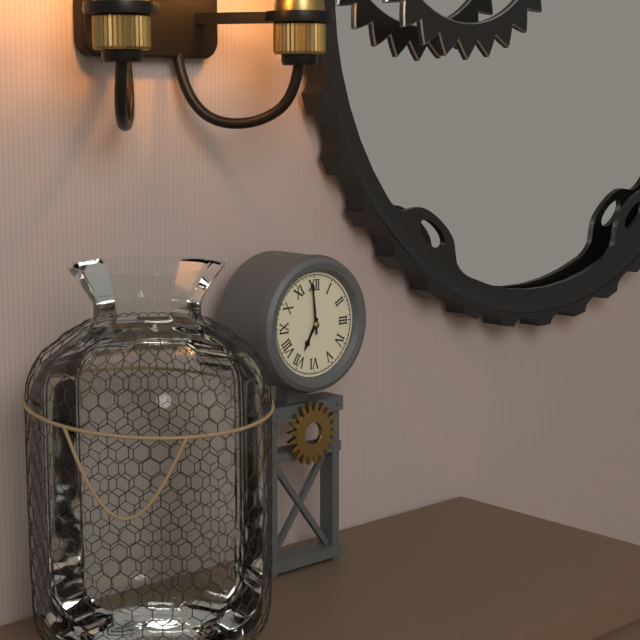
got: h=6 m=59
